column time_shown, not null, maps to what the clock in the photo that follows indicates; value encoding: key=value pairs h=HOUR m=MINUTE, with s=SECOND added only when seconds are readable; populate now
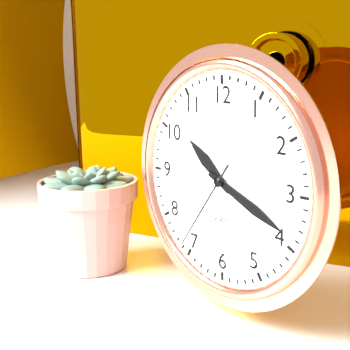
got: h=10 m=19 s=36
